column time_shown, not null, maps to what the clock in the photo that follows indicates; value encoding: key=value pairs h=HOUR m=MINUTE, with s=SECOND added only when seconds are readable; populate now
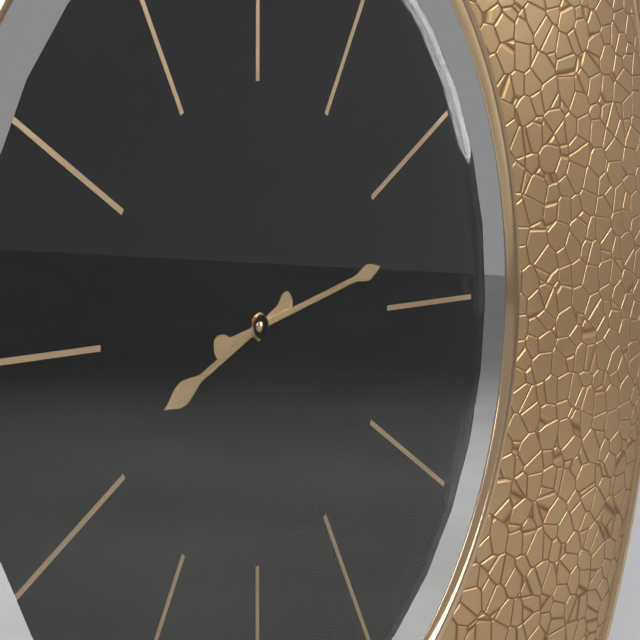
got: h=8 m=13
